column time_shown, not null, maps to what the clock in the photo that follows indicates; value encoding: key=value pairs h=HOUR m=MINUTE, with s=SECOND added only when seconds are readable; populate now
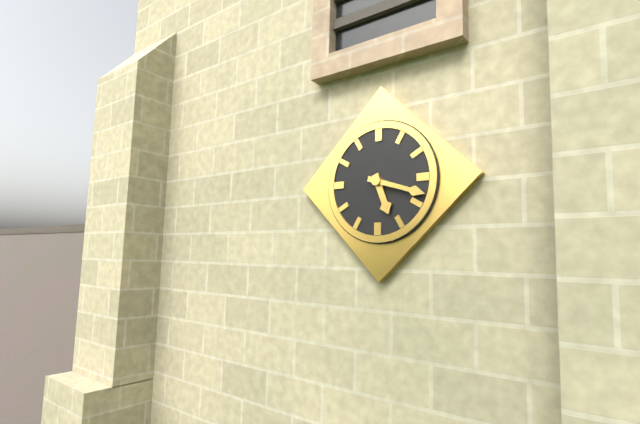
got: h=5 m=18
